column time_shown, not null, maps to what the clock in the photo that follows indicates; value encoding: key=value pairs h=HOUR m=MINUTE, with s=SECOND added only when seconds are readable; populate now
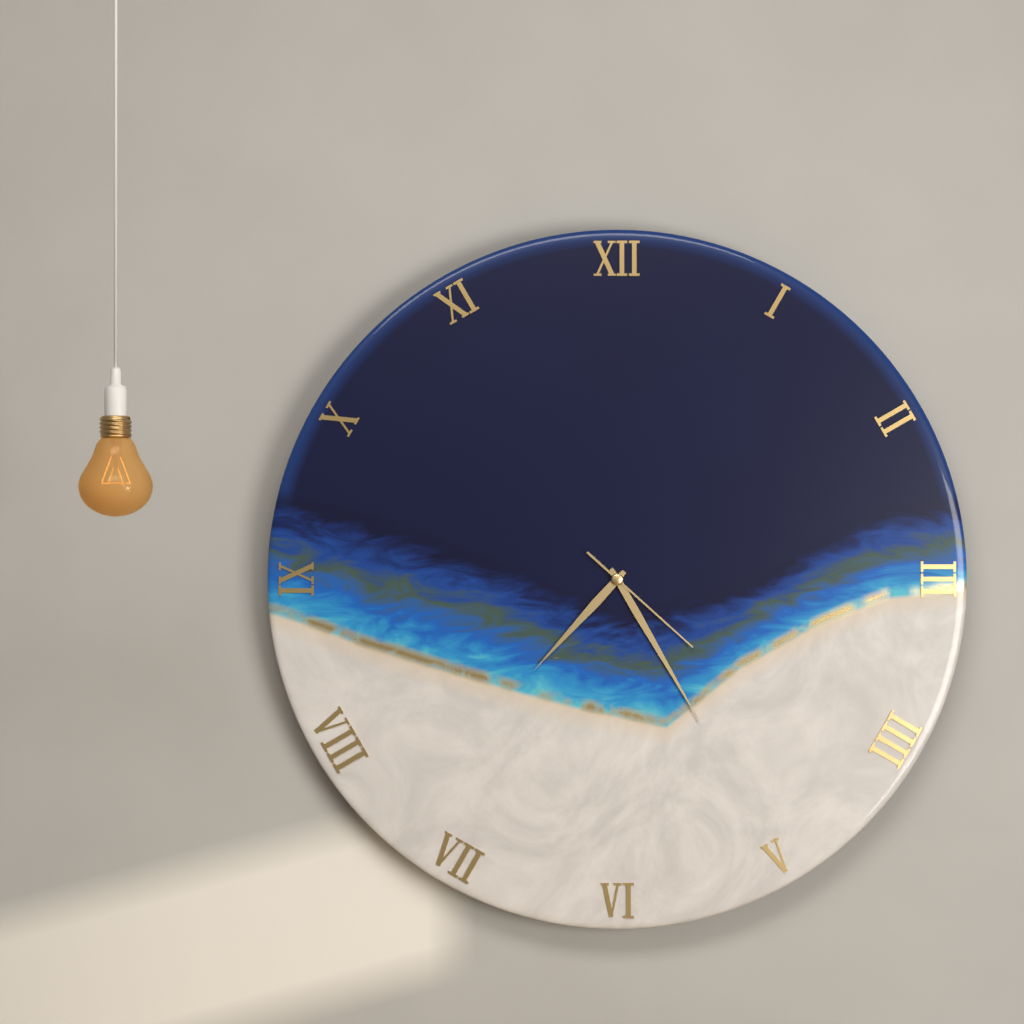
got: h=7 m=25 s=22
